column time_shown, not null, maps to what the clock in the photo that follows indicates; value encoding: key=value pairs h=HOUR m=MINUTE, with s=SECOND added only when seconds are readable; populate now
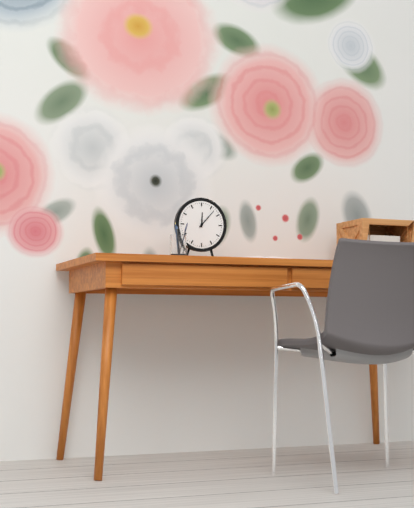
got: h=12 m=7
